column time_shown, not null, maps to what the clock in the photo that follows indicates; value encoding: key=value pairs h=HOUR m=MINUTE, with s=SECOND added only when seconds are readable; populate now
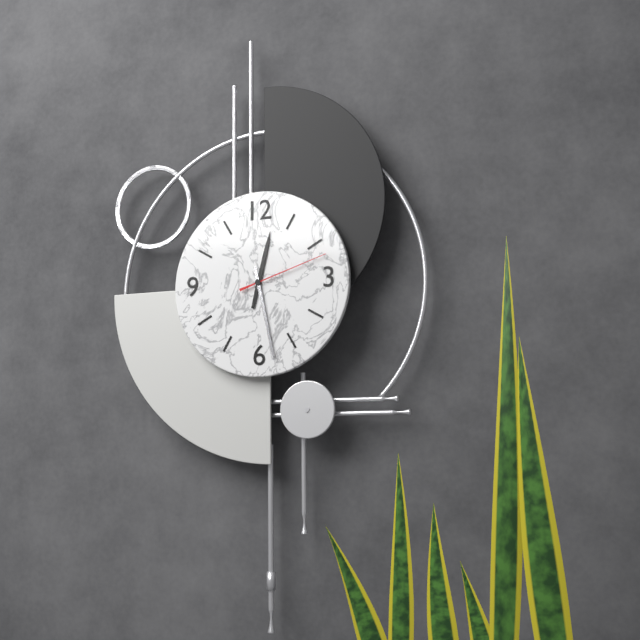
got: h=12 m=28 s=12
